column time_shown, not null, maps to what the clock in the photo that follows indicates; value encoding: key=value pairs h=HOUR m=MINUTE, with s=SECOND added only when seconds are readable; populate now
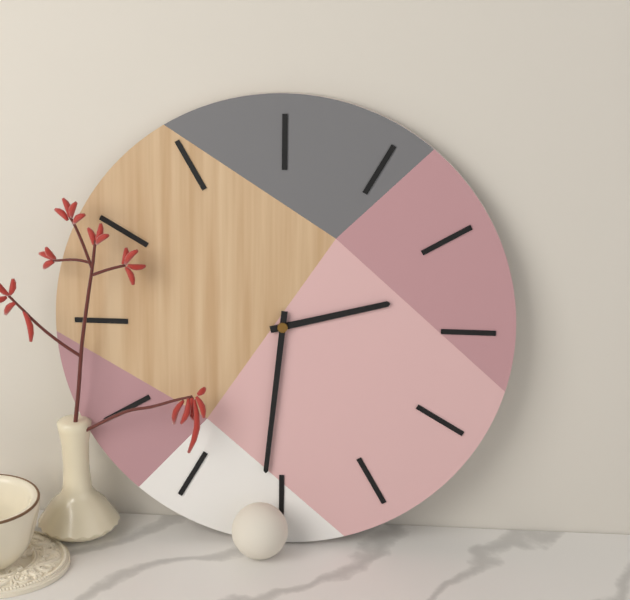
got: h=2 m=31
